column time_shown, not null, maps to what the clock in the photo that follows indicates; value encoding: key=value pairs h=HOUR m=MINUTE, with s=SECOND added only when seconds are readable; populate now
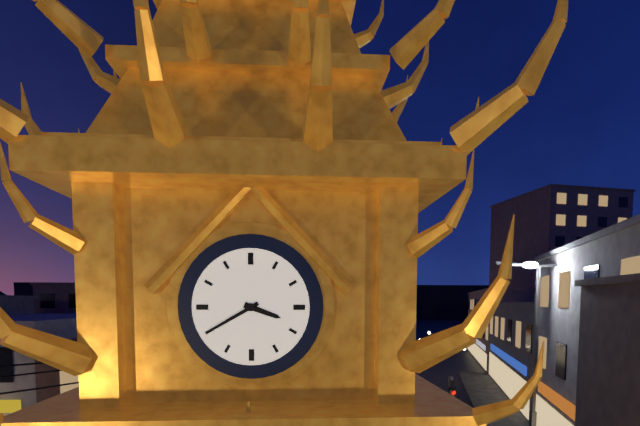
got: h=3 m=40
